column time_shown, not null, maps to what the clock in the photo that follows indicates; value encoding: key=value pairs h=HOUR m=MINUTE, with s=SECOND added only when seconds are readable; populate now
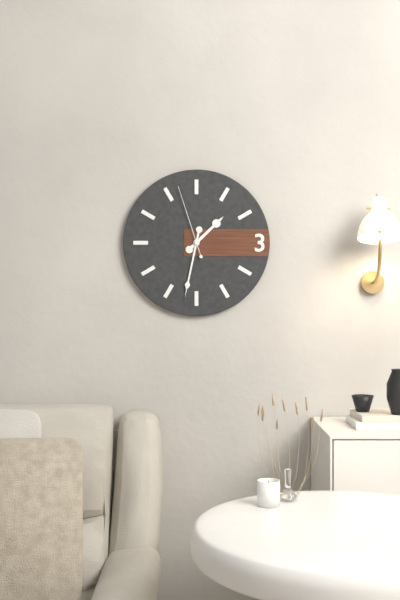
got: h=1 m=32 s=57
